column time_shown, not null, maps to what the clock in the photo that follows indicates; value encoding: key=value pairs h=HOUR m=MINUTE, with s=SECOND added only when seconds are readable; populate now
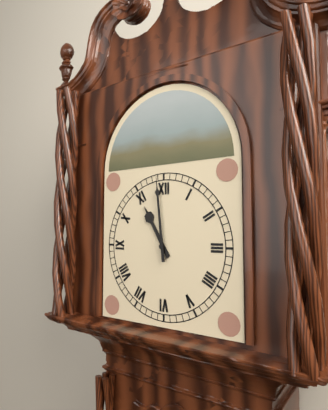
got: h=10 m=59
